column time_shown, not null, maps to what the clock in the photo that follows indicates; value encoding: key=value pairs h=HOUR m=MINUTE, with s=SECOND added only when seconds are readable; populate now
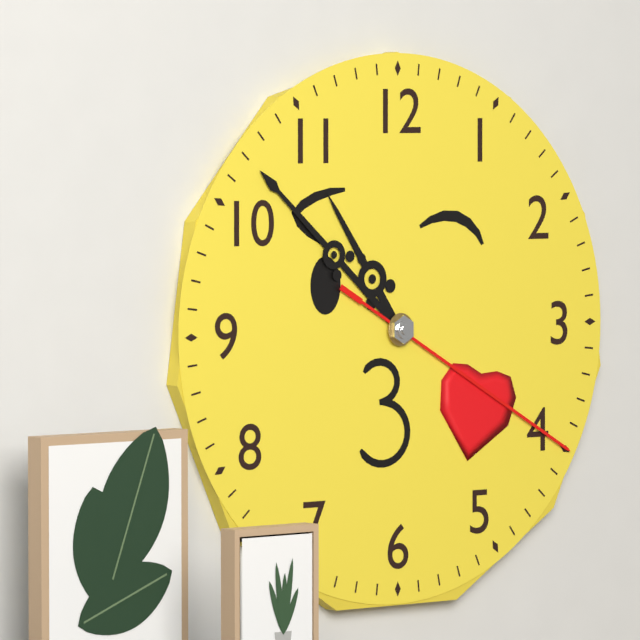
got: h=10 m=52 s=20
